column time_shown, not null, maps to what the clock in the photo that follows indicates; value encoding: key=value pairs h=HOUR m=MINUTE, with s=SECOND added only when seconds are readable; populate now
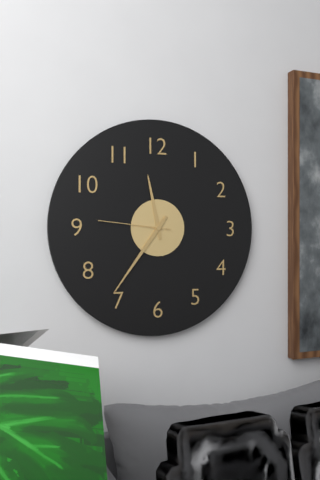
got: h=11 m=36 s=46
